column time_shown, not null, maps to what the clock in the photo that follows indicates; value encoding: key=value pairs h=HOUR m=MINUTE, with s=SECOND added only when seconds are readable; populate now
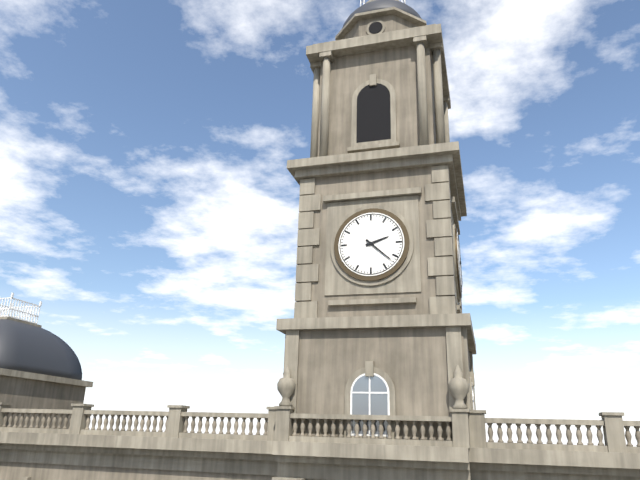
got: h=2 m=22
